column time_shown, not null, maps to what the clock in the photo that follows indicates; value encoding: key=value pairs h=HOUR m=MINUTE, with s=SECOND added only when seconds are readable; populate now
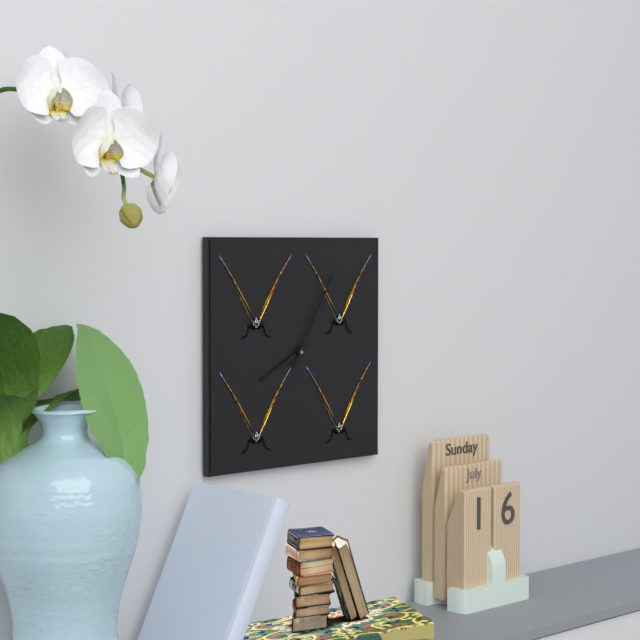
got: h=8 m=5
